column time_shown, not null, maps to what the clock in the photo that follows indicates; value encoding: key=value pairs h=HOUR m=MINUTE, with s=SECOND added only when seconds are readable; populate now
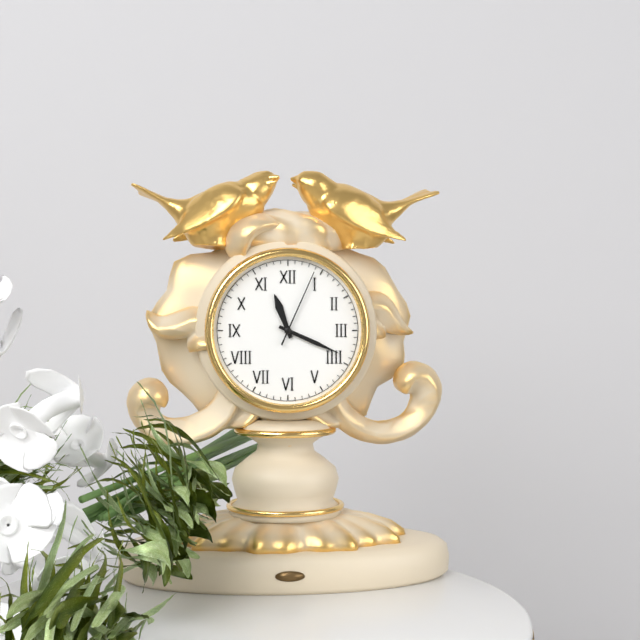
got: h=11 m=19 s=4
